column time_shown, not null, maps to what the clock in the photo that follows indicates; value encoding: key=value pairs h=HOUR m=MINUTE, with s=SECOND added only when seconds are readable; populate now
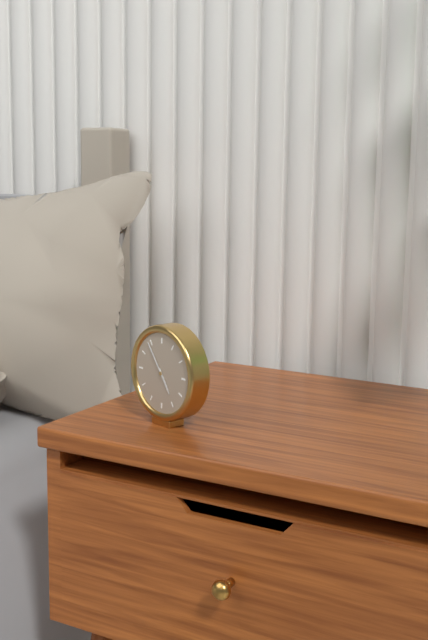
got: h=4 m=54
